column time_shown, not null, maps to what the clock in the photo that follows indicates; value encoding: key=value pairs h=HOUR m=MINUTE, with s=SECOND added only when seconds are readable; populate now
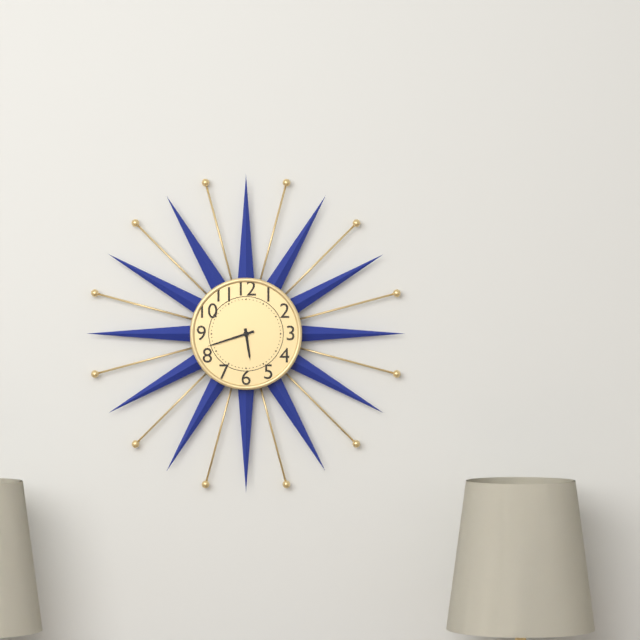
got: h=5 m=42
